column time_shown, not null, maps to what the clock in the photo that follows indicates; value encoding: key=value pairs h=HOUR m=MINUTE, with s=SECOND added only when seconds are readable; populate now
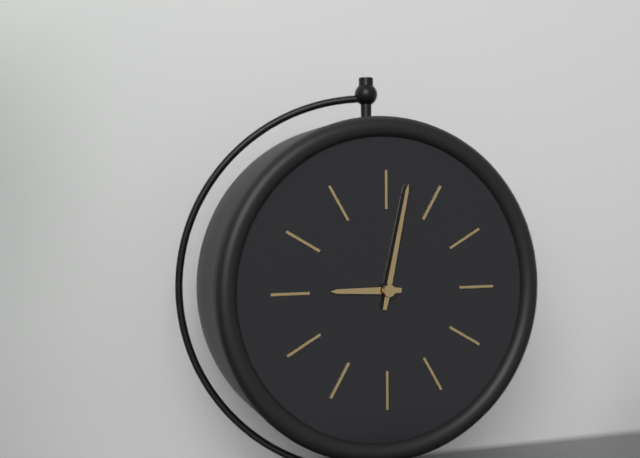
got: h=9 m=2
